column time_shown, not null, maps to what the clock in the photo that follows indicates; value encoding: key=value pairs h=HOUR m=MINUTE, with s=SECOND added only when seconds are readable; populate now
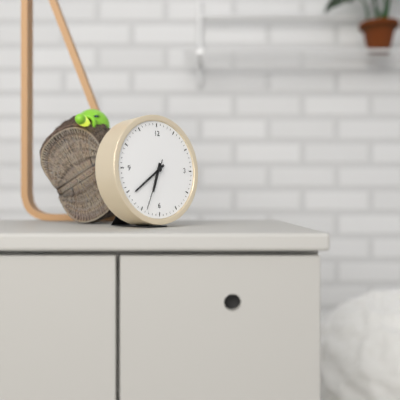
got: h=6 m=39 s=34
